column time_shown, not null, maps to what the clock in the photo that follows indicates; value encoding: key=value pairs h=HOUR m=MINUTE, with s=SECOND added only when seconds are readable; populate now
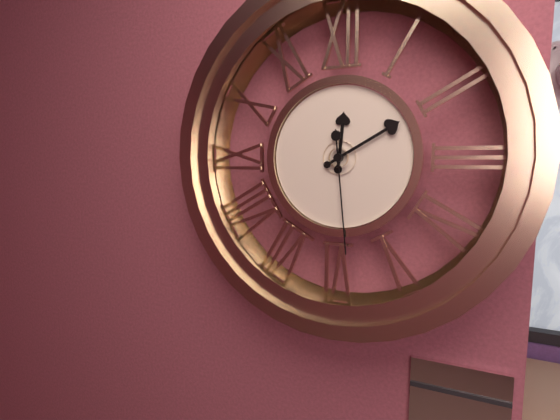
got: h=12 m=10 s=29
